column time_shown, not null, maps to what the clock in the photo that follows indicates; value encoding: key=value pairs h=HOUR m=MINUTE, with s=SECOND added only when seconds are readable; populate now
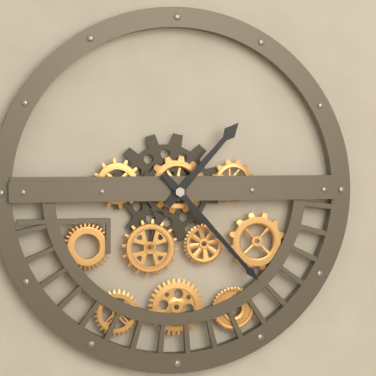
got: h=1 m=23
